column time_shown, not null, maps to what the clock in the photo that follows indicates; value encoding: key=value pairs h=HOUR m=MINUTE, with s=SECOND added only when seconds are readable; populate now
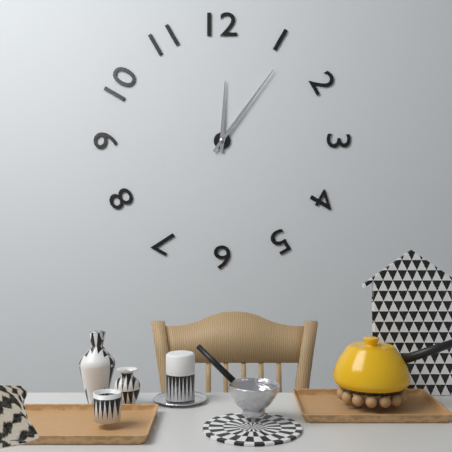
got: h=12 m=6
